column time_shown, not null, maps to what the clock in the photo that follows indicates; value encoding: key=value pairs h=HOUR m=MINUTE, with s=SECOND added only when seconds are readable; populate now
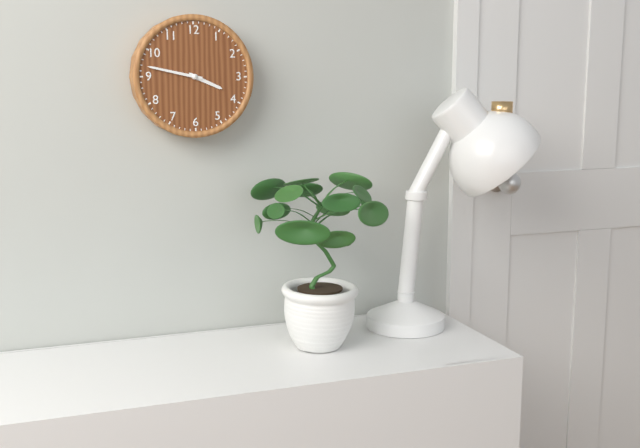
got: h=3 m=47
